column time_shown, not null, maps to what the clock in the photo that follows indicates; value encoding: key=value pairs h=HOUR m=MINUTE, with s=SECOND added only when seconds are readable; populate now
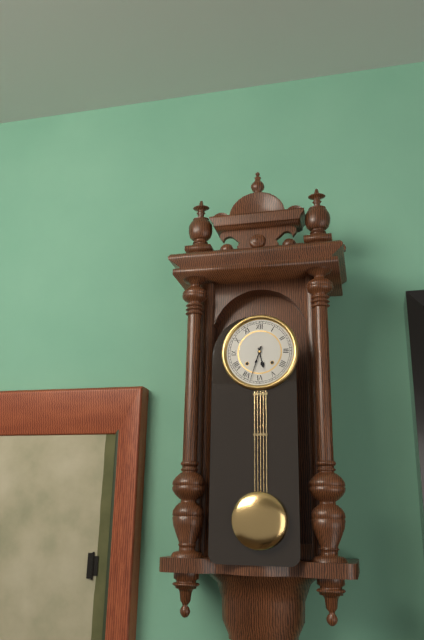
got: h=5 m=33
